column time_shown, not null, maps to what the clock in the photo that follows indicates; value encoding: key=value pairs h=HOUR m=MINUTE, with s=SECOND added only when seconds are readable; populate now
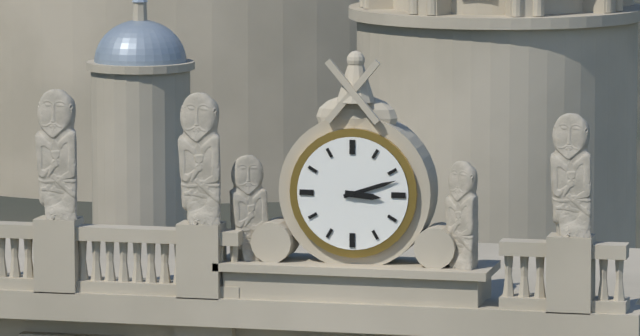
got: h=3 m=12
